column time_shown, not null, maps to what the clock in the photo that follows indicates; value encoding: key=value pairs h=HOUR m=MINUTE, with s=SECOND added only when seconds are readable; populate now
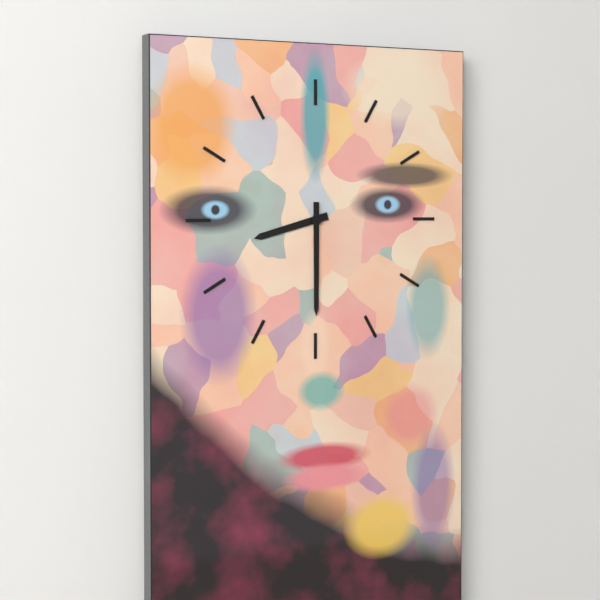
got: h=8 m=30
